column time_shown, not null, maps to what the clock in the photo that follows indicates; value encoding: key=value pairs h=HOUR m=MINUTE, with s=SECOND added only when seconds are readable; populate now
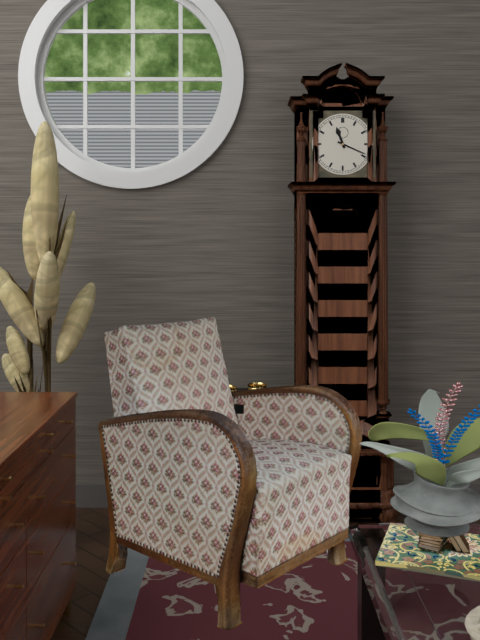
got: h=11 m=19
